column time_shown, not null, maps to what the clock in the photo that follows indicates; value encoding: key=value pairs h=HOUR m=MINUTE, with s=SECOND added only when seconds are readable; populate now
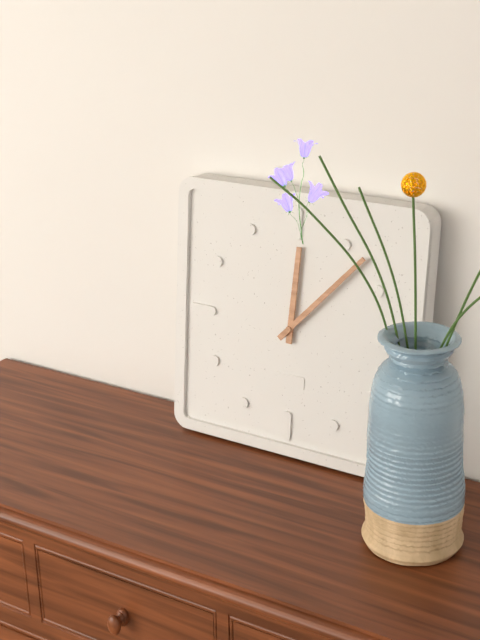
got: h=12 m=7
